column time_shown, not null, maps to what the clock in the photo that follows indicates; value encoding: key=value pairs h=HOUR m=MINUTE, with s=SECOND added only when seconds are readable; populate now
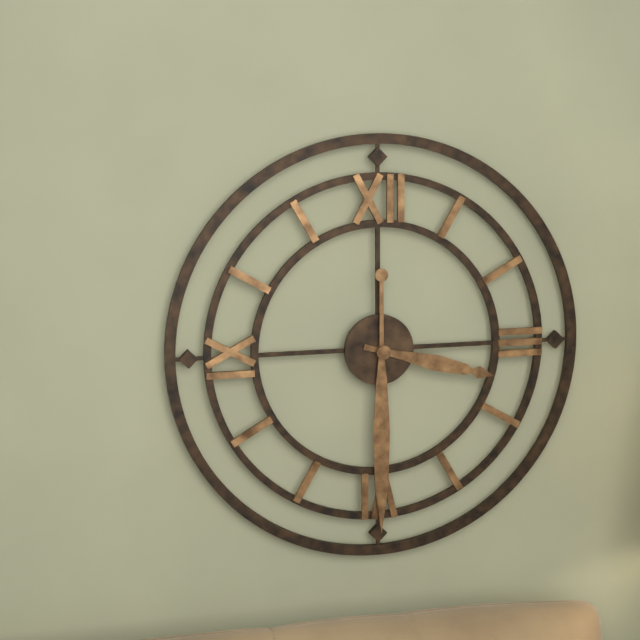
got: h=3 m=30
